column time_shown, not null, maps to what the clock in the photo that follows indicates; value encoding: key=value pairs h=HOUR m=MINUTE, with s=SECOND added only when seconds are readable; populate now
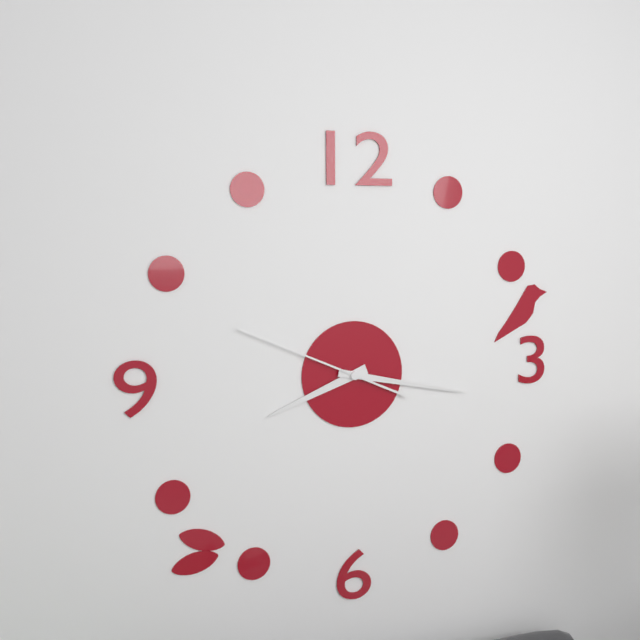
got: h=8 m=17 s=49
